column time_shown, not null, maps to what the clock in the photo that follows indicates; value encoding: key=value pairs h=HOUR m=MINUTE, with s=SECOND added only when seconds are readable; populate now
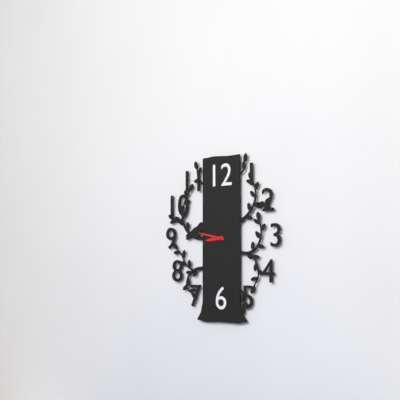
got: h=8 m=47
